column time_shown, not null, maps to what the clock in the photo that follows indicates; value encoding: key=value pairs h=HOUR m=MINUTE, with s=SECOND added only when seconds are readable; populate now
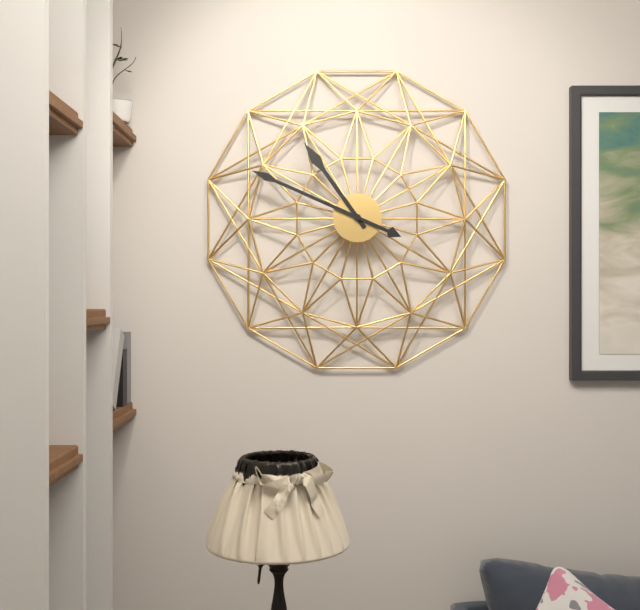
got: h=10 m=49
